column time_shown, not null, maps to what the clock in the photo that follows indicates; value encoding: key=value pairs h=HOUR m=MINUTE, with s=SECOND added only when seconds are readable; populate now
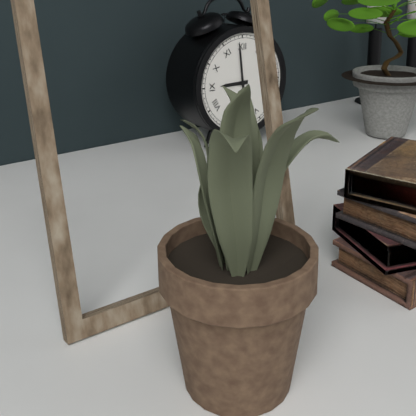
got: h=8 m=59
